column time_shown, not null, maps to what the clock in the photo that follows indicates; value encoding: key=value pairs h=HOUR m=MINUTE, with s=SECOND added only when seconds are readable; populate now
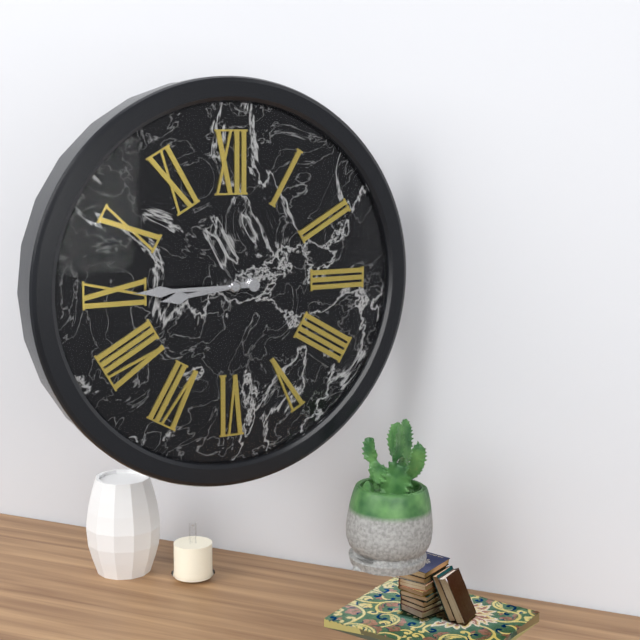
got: h=8 m=45
